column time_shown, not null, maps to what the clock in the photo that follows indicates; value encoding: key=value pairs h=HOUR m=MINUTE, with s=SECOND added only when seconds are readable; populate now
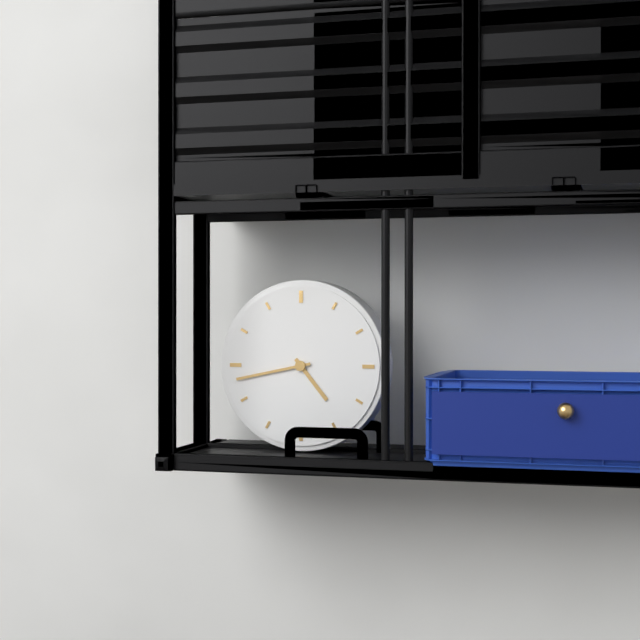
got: h=4 m=43
